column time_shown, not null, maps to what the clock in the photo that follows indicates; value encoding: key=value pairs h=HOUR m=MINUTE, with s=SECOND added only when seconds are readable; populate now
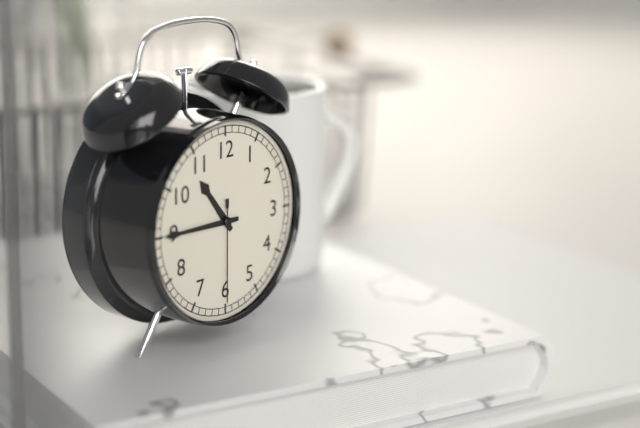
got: h=10 m=45 s=30
